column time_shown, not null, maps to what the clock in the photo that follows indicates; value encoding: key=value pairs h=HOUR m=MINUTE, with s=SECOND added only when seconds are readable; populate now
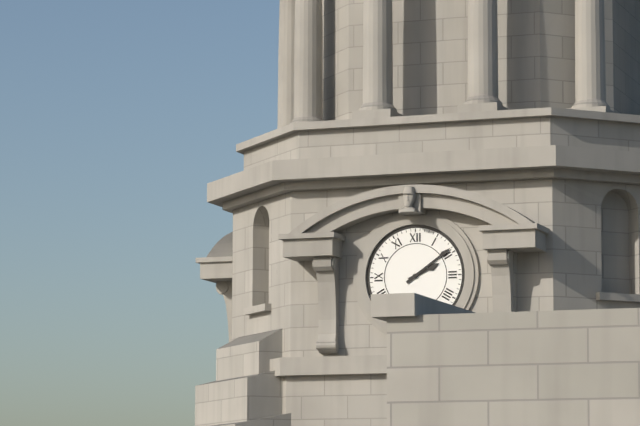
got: h=2 m=9
